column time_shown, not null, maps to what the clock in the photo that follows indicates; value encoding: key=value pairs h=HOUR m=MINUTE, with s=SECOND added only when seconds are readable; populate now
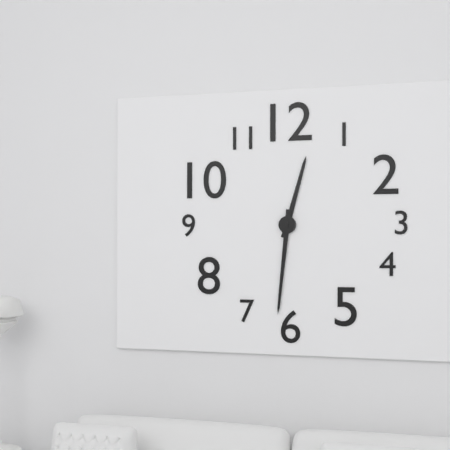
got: h=12 m=31
